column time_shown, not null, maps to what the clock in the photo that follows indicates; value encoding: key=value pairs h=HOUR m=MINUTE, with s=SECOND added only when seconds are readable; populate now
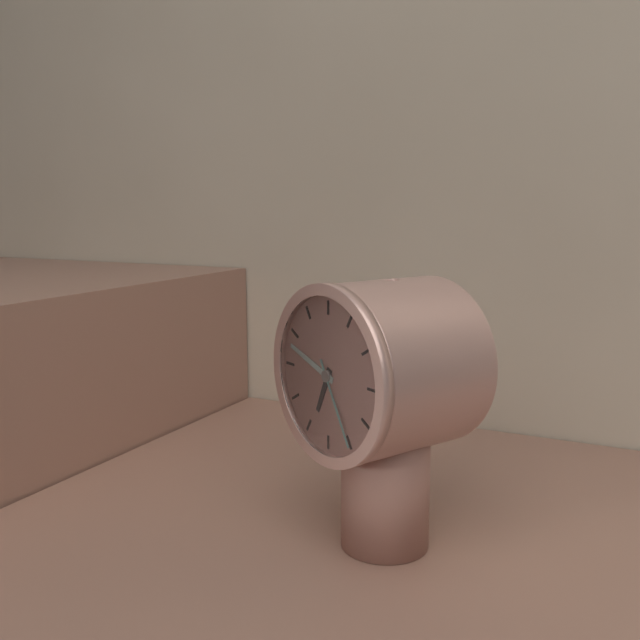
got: h=6 m=48 s=25
